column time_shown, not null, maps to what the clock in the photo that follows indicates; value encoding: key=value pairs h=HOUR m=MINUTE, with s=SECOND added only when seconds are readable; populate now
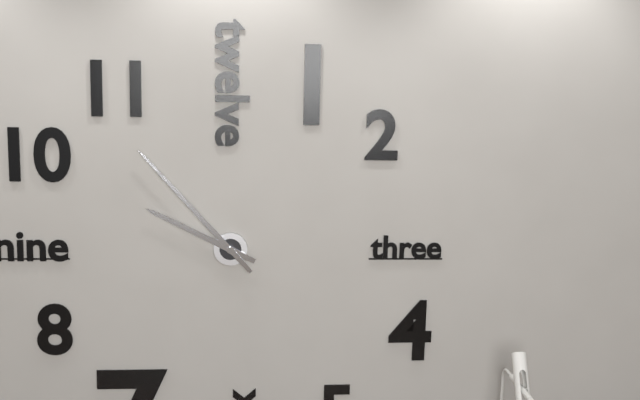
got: h=9 m=53
